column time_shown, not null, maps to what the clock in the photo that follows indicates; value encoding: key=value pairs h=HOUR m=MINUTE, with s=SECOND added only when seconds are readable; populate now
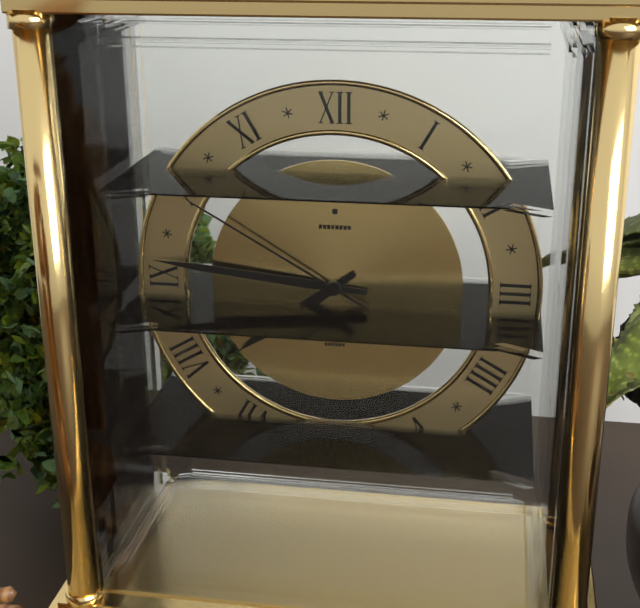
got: h=7 m=46 s=50
